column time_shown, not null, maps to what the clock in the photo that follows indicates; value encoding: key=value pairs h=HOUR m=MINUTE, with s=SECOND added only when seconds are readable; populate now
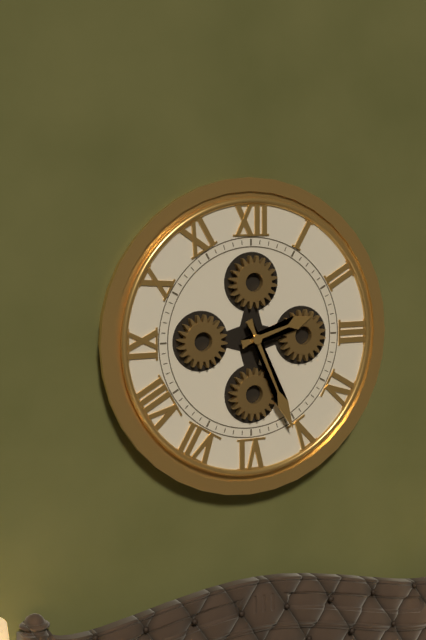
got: h=2 m=26
